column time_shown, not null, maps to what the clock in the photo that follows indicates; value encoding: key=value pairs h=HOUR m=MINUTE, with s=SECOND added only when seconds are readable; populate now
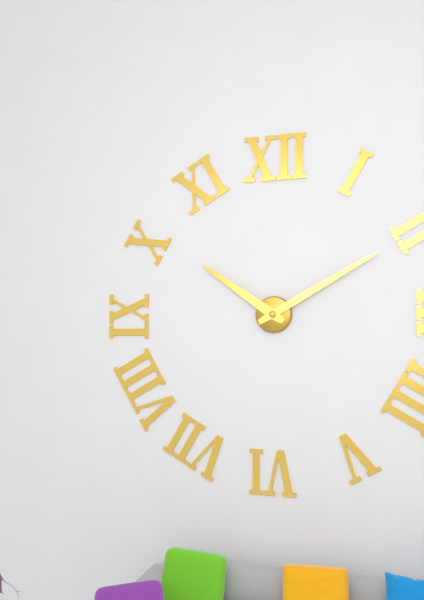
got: h=10 m=10
